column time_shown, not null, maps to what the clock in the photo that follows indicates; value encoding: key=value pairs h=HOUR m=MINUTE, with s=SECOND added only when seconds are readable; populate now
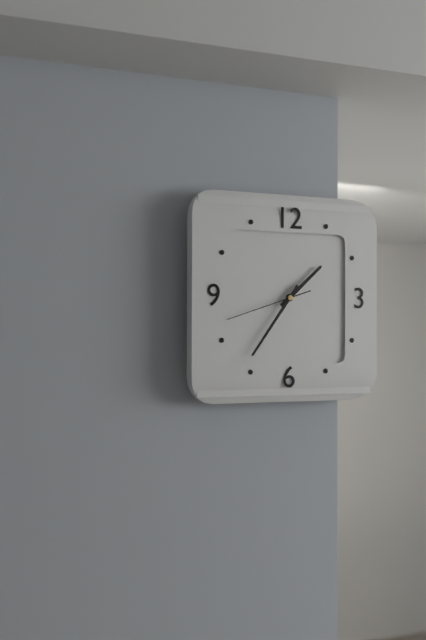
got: h=1 m=36 s=42
